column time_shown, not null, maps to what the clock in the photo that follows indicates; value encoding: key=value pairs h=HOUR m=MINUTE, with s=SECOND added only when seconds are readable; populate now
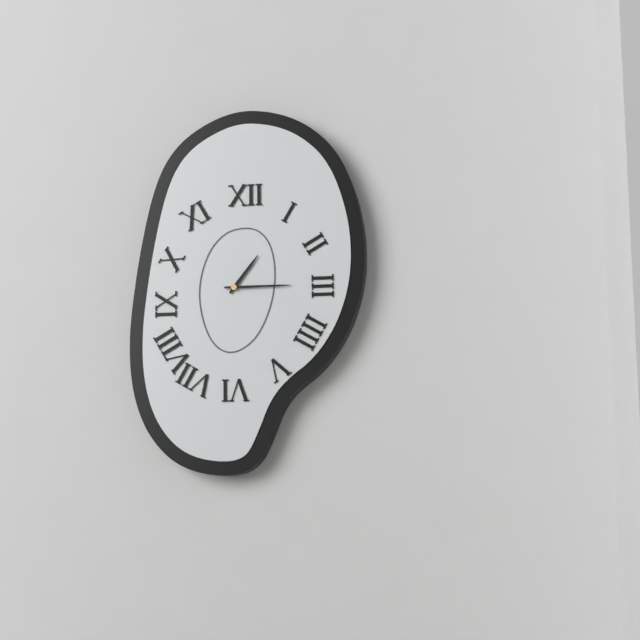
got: h=1 m=15
